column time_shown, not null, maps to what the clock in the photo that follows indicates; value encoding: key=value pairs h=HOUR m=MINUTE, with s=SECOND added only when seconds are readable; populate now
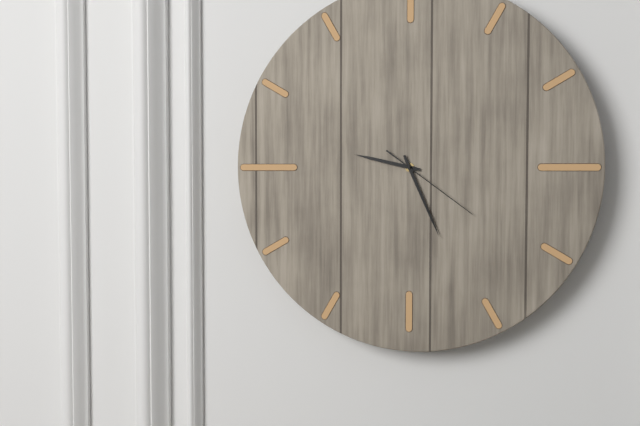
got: h=9 m=26 s=21
